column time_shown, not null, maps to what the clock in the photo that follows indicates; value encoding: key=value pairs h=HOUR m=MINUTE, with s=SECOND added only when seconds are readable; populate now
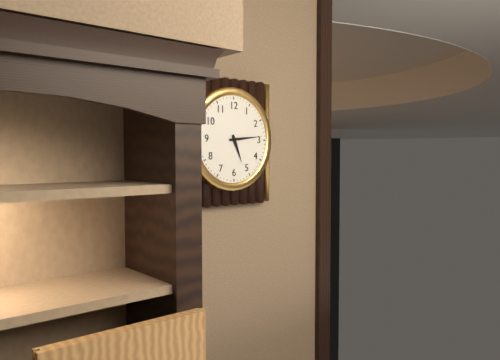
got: h=5 m=14
